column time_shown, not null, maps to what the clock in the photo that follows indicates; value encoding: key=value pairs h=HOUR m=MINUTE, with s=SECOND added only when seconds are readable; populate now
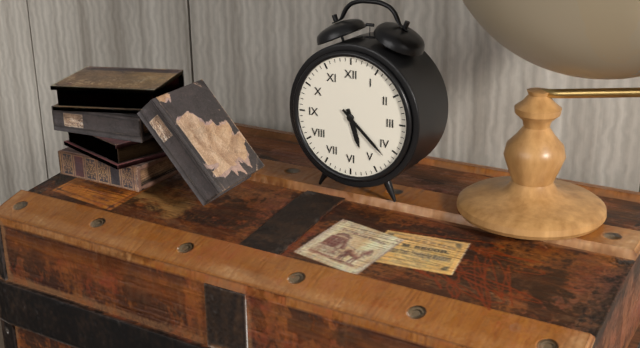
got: h=5 m=22
